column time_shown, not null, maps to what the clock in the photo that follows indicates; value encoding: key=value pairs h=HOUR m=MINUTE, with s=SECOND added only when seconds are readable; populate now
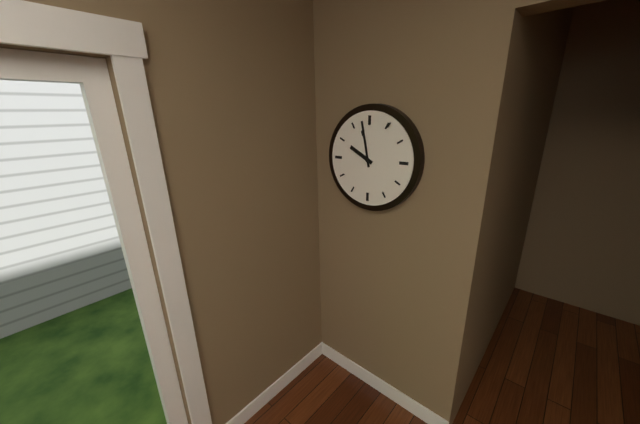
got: h=9 m=58
